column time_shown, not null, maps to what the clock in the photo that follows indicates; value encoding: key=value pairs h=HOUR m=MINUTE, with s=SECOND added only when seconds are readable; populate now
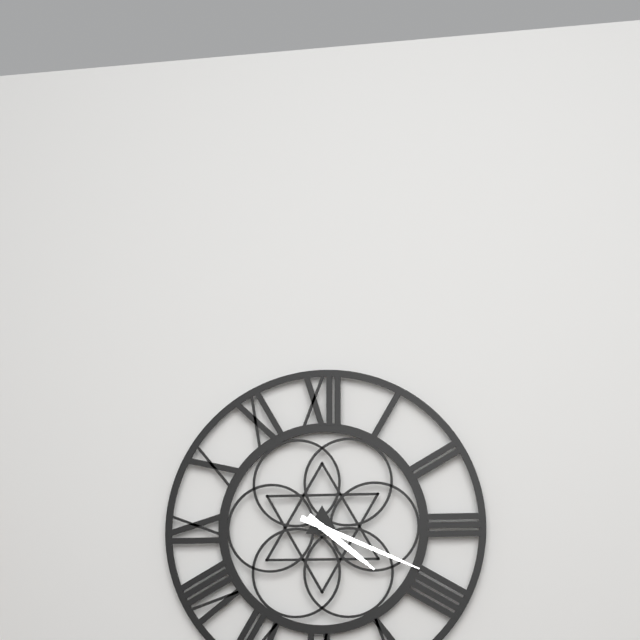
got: h=4 m=19
